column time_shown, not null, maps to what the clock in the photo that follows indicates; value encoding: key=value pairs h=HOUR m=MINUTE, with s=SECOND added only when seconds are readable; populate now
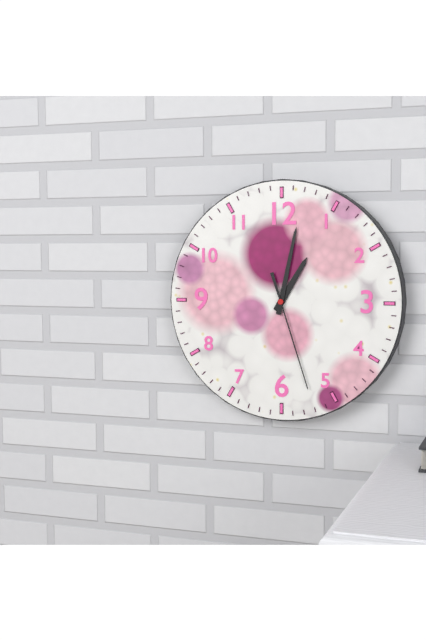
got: h=1 m=2 s=27
